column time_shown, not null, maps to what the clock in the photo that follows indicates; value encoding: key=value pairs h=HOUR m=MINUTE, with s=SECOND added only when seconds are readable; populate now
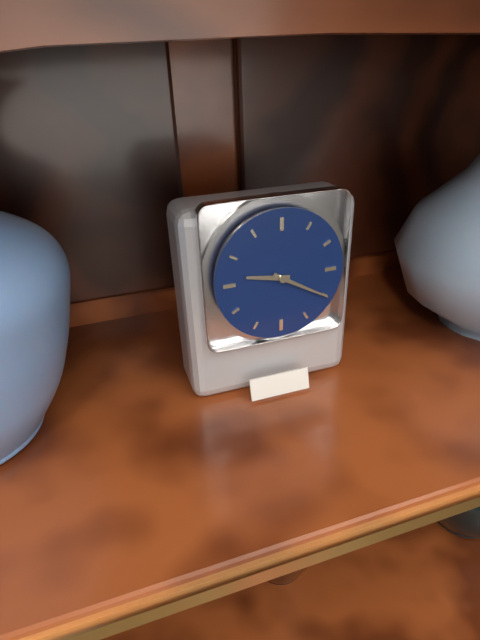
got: h=9 m=20
